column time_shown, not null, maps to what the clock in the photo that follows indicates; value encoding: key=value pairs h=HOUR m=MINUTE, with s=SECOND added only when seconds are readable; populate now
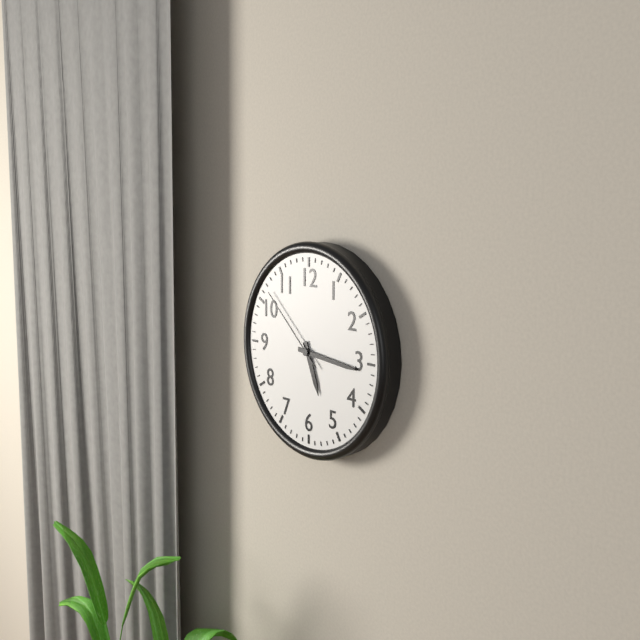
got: h=5 m=16 s=52
